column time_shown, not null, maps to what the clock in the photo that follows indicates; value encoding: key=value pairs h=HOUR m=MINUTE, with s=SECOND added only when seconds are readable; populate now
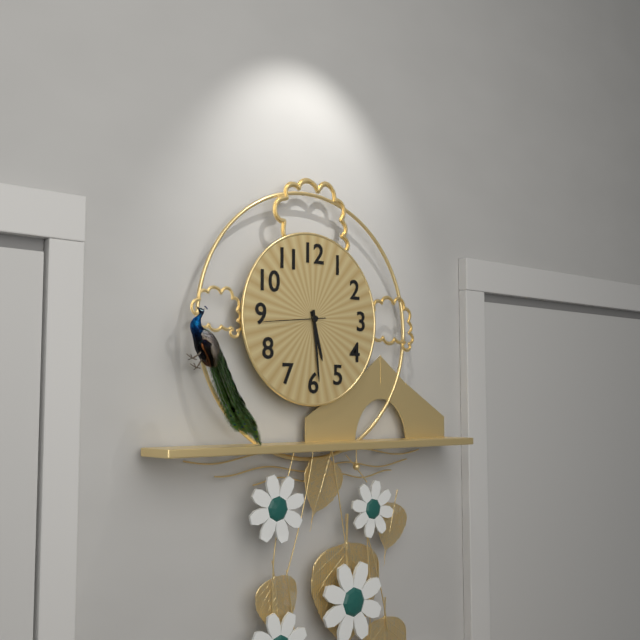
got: h=5 m=29 s=44
